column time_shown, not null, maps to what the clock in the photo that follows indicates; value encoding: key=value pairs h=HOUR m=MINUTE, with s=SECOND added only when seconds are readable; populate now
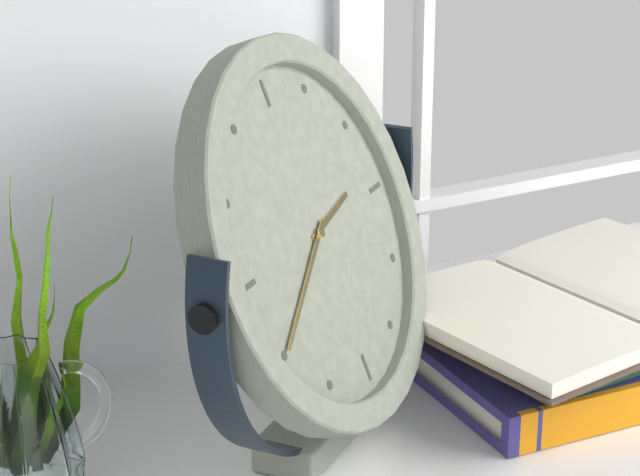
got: h=2 m=40
